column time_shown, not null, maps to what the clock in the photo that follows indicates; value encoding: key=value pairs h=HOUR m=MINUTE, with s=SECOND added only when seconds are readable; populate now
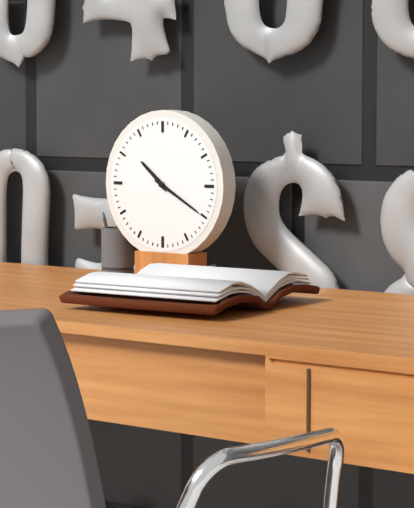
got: h=10 m=20
